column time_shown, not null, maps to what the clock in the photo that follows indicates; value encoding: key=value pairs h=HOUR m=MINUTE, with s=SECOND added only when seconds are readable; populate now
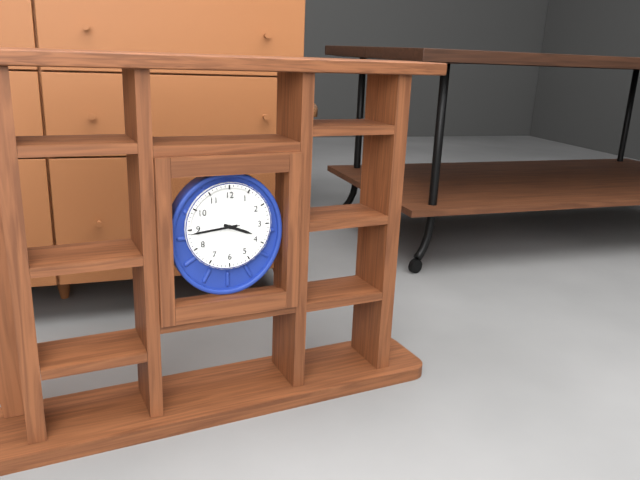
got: h=3 m=44 s=44
